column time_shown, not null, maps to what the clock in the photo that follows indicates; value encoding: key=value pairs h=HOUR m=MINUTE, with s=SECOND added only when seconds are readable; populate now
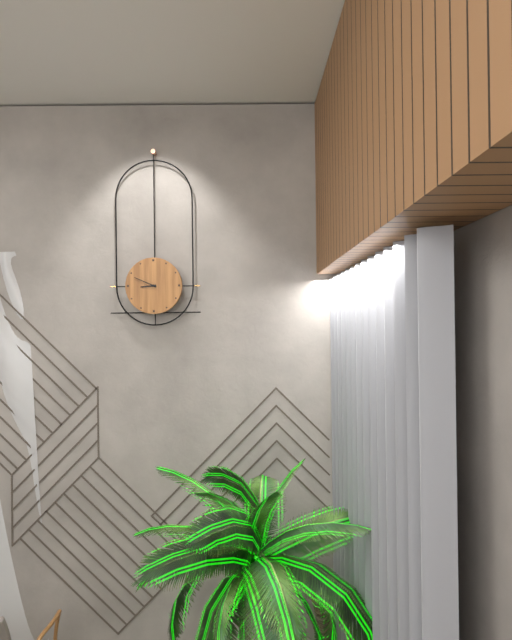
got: h=8 m=49
